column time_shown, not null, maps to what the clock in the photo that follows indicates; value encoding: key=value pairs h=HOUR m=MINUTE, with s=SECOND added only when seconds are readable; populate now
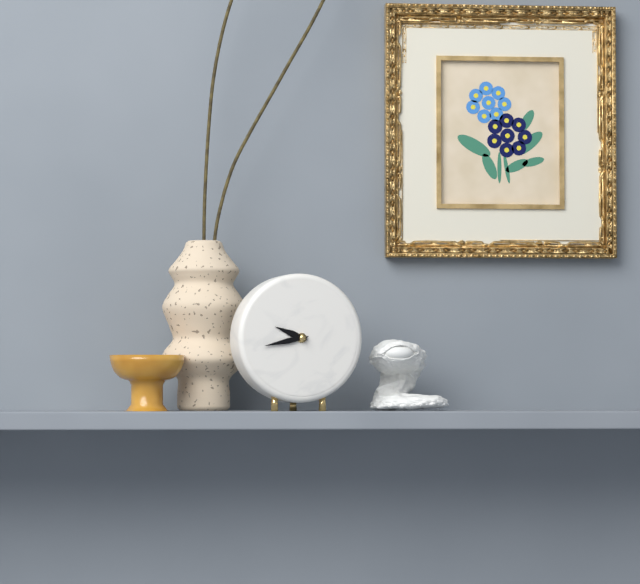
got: h=9 m=43
